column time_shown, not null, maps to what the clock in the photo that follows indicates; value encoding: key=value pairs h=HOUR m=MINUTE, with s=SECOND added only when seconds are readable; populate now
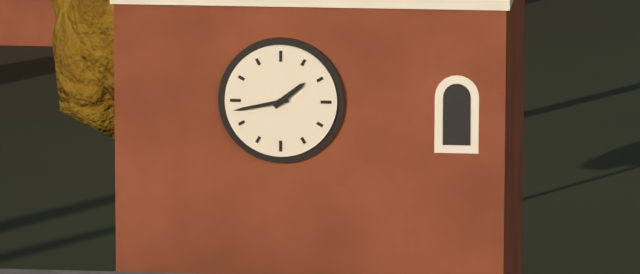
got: h=1 m=43
